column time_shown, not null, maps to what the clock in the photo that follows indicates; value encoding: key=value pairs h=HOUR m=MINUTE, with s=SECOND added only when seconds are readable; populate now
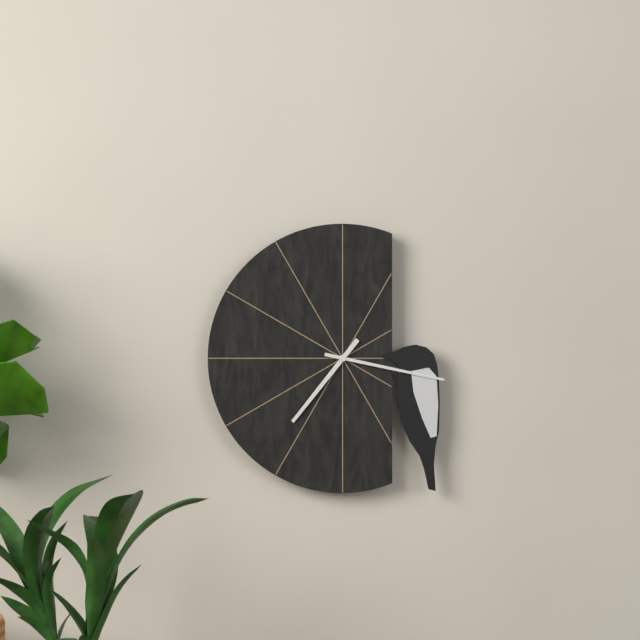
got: h=7 m=17
